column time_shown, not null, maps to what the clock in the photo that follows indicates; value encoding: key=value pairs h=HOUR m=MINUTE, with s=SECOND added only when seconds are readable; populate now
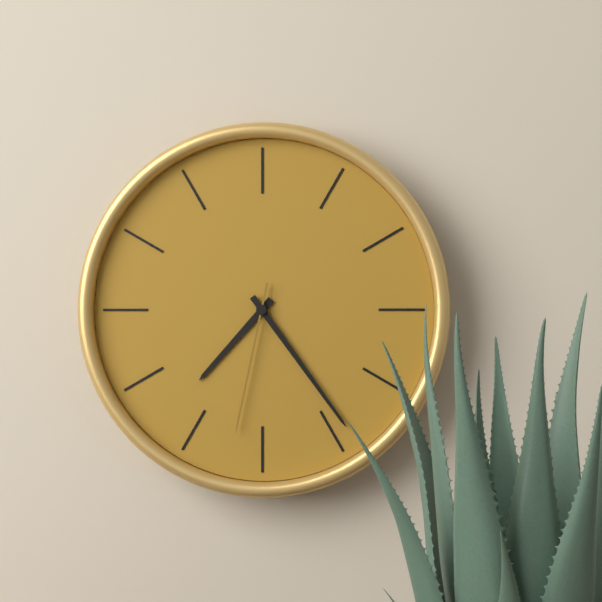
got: h=7 m=24 s=32
